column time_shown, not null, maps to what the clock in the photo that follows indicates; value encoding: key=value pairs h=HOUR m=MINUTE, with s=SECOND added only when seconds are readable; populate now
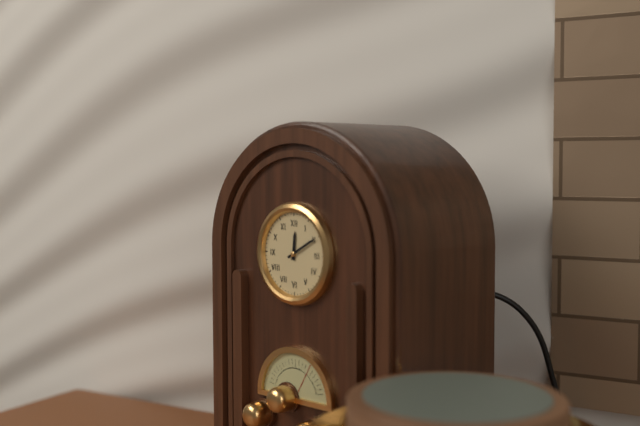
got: h=12 m=10
